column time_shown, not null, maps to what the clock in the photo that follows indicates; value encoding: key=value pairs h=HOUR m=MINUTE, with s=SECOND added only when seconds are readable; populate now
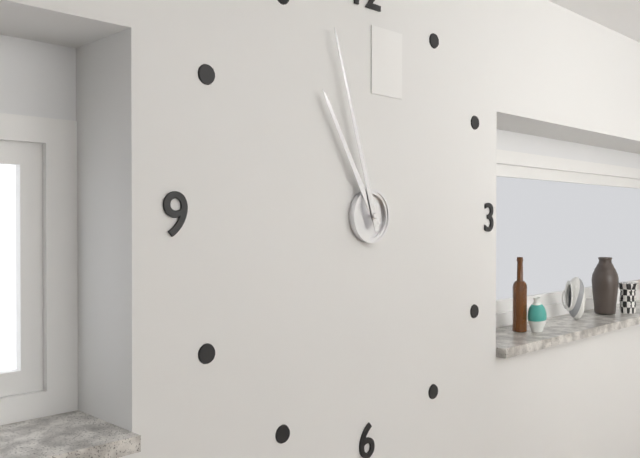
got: h=10 m=57
